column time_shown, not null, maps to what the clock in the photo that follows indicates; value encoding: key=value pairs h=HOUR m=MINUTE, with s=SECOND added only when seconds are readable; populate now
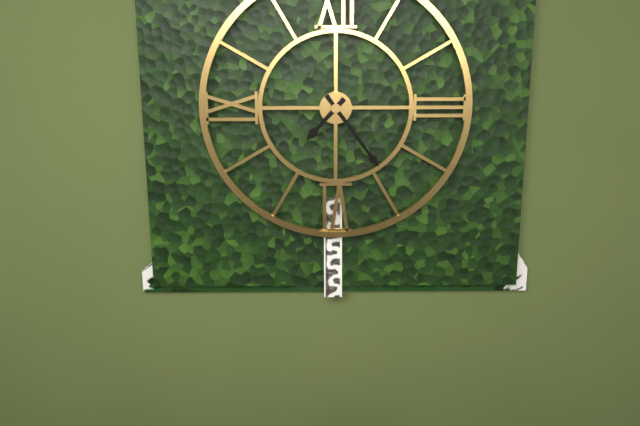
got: h=7 m=24
